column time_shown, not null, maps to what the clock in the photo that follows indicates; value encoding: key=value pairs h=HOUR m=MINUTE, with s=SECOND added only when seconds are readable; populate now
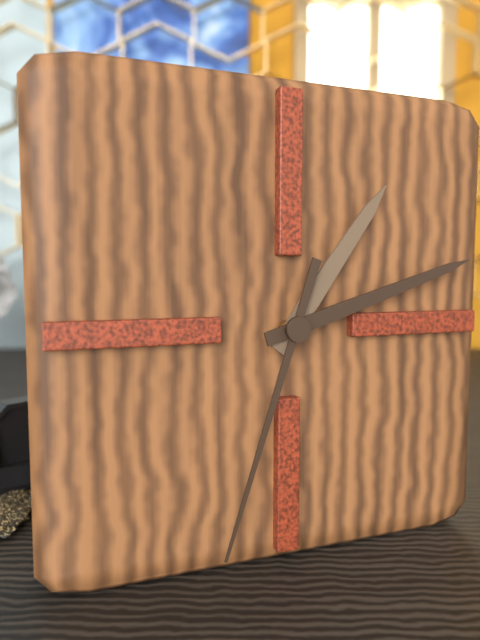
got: h=1 m=12 s=33
